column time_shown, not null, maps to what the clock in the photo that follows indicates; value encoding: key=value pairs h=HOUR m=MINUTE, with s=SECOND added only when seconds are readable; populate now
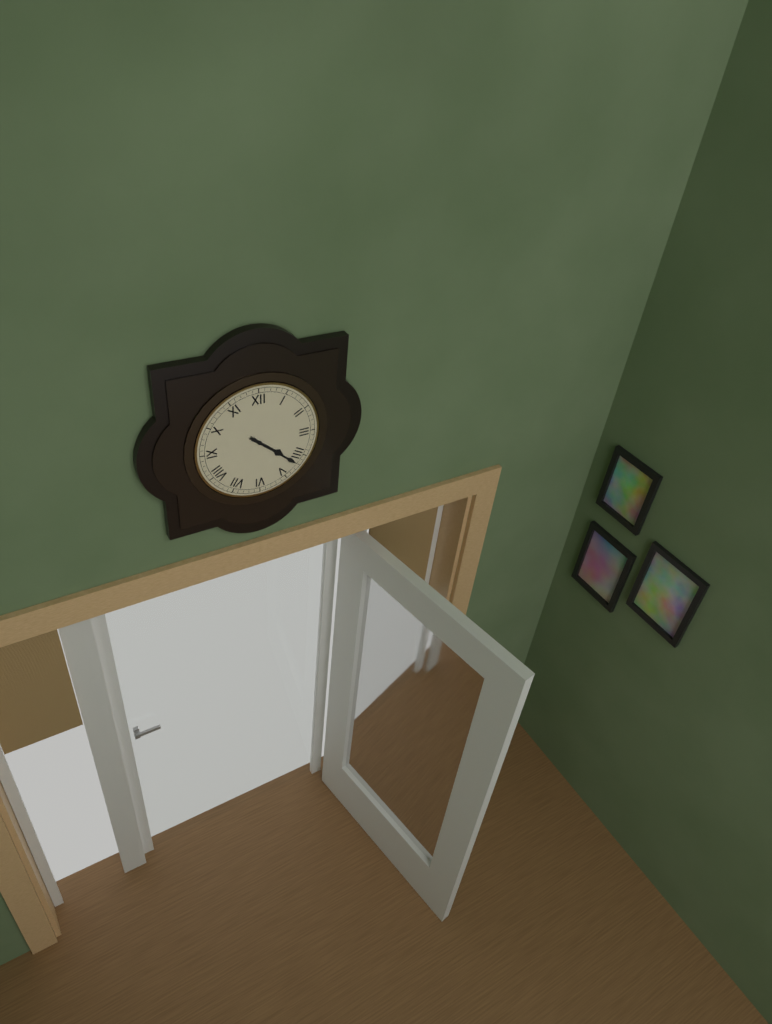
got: h=4 m=22
